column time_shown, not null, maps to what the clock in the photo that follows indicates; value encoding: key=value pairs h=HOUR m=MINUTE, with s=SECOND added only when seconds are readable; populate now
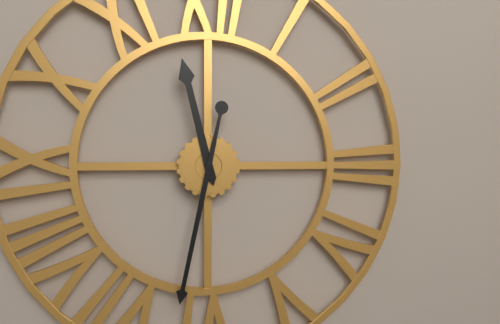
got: h=11 m=32
